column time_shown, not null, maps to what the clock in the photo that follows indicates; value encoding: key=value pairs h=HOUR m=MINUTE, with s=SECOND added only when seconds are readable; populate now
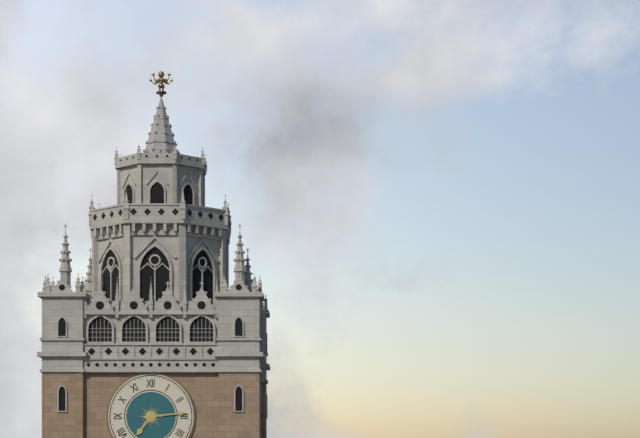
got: h=7 m=14
